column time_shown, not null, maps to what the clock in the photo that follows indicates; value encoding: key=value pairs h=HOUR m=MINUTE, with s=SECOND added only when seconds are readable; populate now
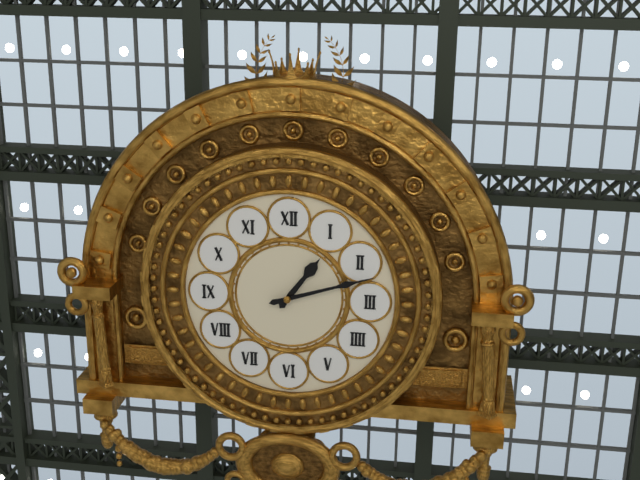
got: h=1 m=12
